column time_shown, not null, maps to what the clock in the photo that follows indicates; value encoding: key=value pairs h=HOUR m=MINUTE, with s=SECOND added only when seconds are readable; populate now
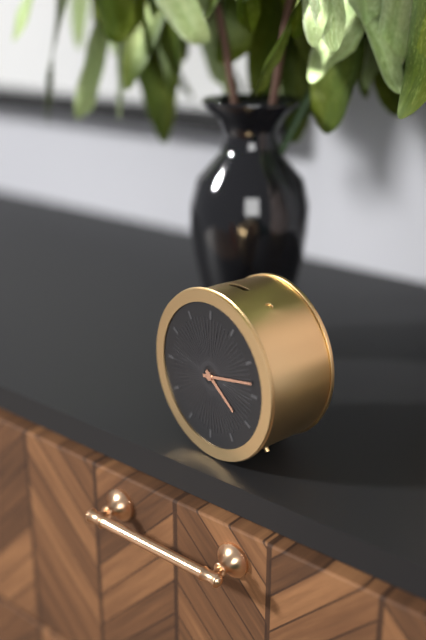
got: h=4 m=13
